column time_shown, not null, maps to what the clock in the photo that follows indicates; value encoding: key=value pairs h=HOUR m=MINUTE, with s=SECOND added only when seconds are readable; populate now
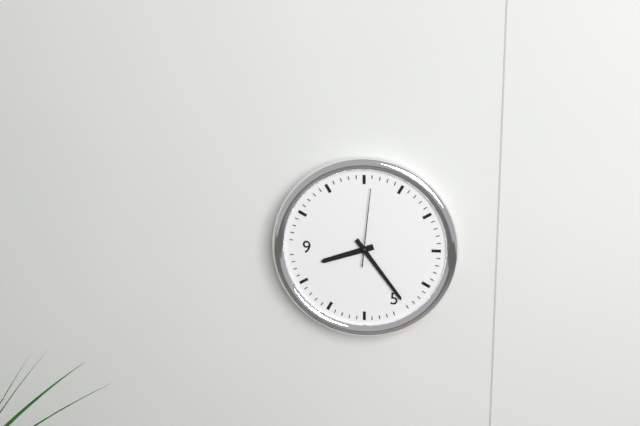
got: h=8 m=24 s=1
